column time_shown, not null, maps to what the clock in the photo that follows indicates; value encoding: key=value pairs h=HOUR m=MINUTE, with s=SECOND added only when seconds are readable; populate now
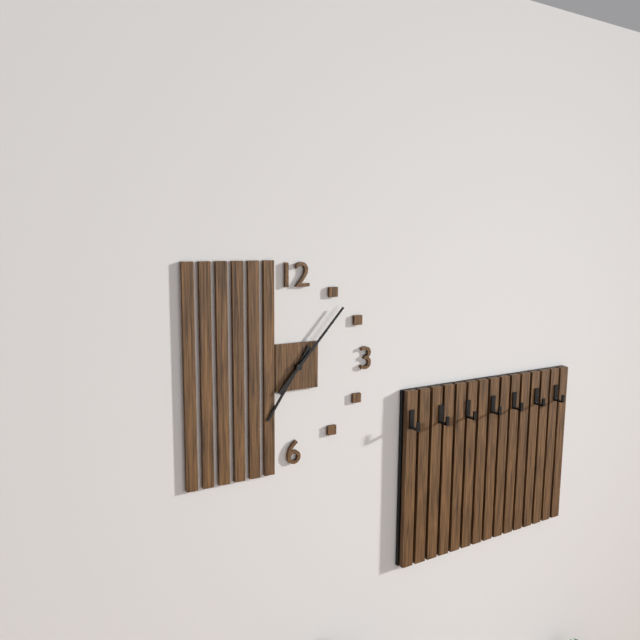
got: h=7 m=7
